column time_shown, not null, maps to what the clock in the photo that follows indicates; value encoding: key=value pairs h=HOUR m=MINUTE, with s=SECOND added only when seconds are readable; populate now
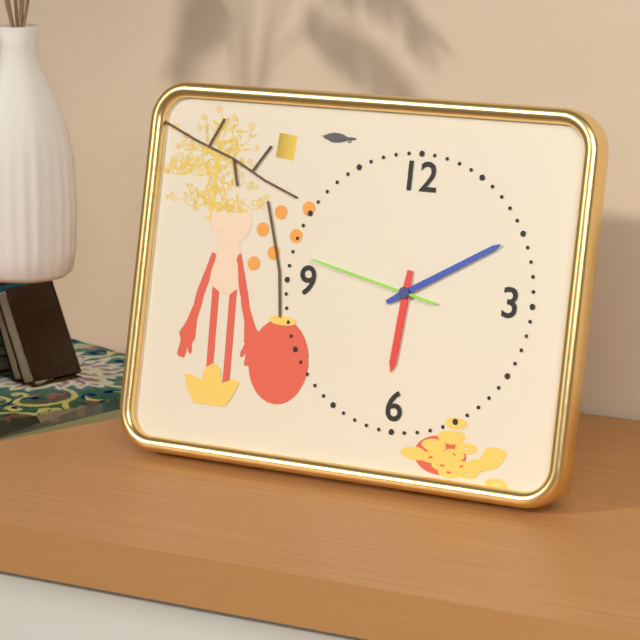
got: h=6 m=10 s=47
